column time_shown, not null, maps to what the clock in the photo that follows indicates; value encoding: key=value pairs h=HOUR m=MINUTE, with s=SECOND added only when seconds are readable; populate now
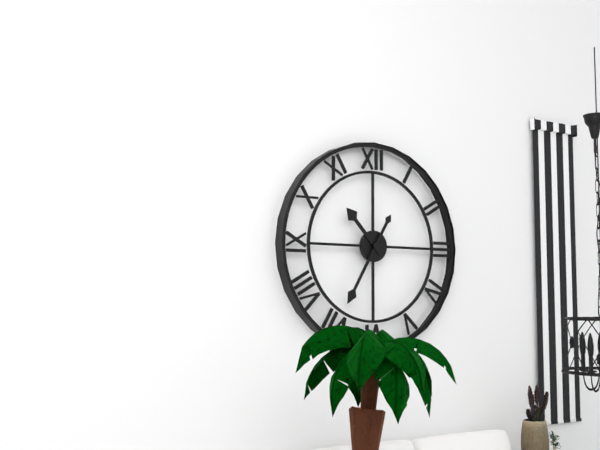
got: h=10 m=35
